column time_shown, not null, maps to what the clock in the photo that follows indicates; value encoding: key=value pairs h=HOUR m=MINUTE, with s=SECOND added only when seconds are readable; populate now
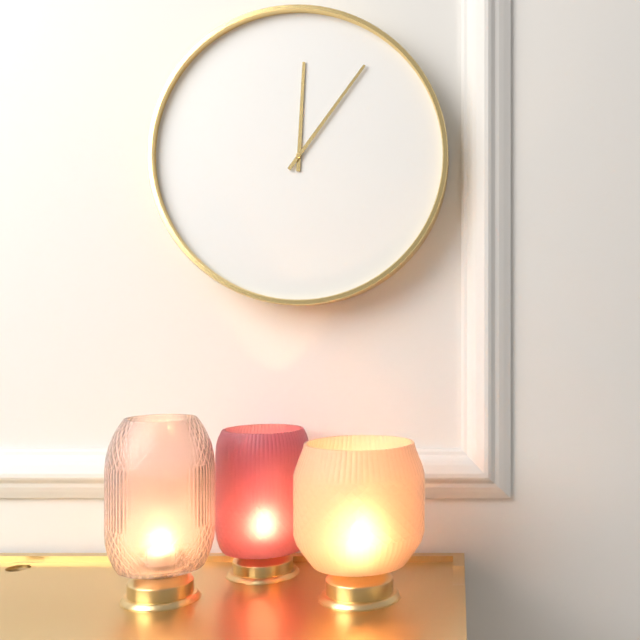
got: h=12 m=6
